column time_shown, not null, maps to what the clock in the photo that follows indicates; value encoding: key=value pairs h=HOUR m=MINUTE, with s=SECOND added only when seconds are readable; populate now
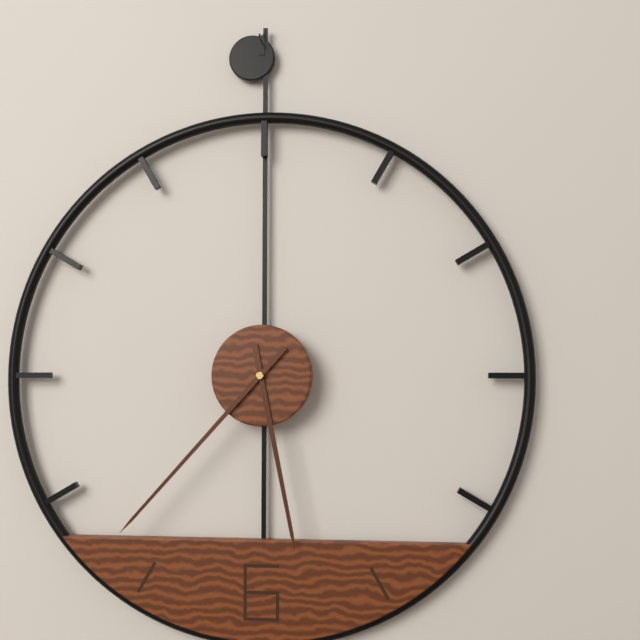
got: h=5 m=37
